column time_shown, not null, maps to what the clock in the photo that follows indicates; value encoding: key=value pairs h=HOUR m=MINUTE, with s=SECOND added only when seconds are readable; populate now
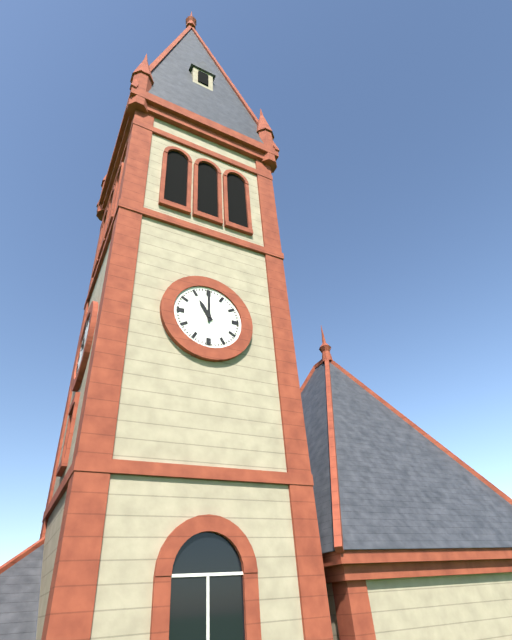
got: h=11 m=0
